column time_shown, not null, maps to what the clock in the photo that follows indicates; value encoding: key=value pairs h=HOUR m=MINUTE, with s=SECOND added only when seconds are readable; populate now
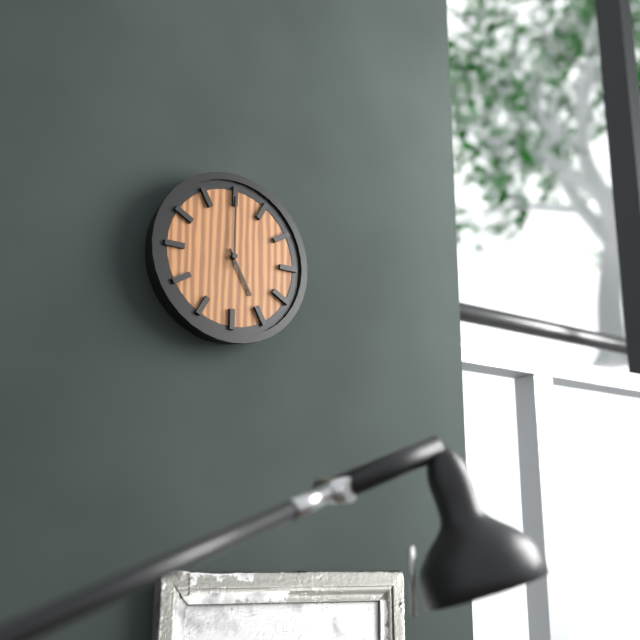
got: h=5 m=0
